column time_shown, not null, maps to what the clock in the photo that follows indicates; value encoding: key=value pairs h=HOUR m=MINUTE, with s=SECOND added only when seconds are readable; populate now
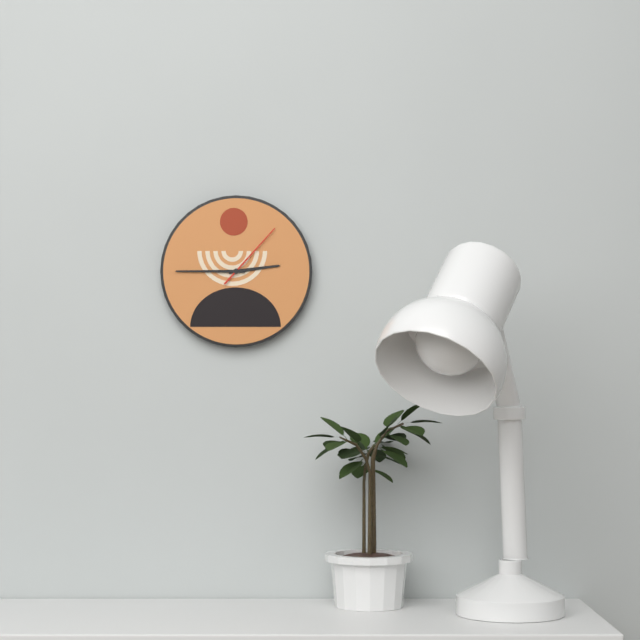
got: h=2 m=45 s=7
